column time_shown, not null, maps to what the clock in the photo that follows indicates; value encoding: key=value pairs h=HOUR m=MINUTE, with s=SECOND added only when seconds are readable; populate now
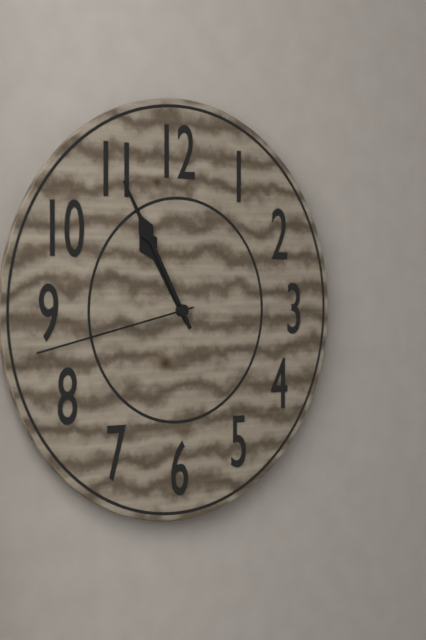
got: h=10 m=55 s=43
